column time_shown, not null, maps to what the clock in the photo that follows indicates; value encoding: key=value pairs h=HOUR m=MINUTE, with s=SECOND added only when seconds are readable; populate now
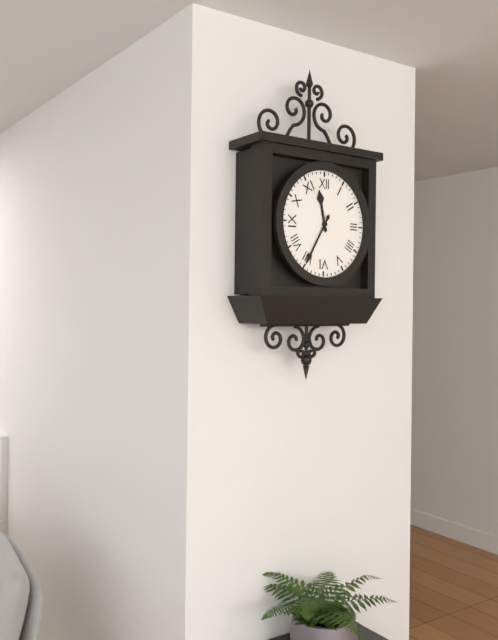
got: h=11 m=35
